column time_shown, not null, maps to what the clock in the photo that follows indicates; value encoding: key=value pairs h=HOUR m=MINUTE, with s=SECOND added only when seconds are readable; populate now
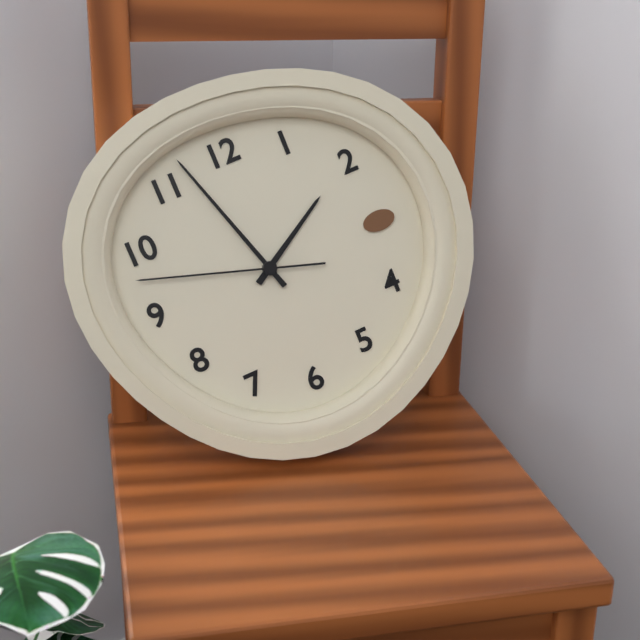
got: h=1 m=57 s=48
